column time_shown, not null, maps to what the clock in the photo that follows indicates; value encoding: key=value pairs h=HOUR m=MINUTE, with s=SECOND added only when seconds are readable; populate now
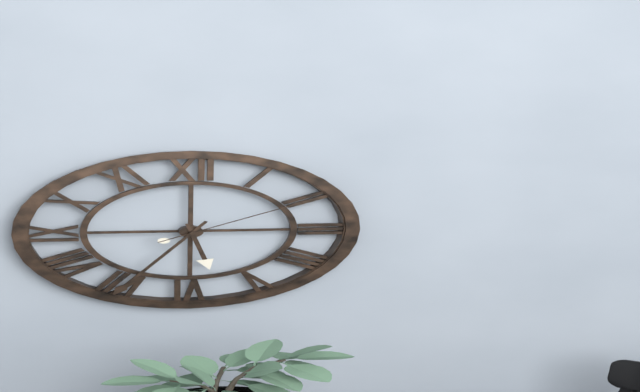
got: h=5 m=35 s=10
